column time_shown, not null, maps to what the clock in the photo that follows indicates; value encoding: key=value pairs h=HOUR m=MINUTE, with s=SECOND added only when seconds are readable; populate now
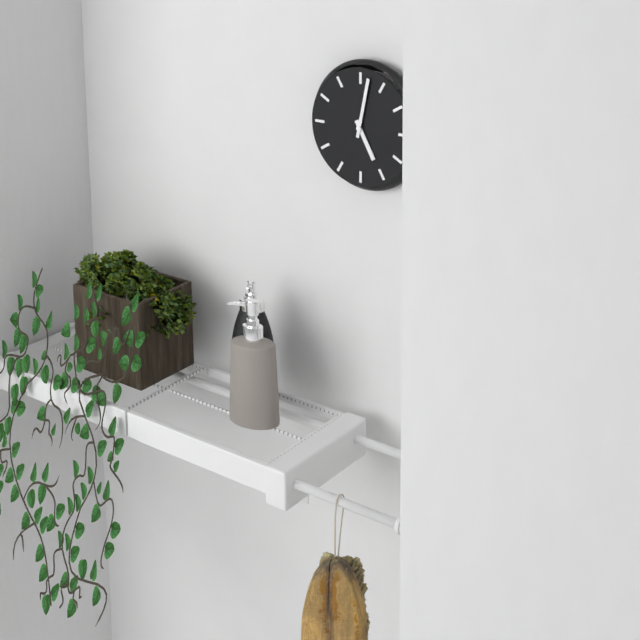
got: h=5 m=2
